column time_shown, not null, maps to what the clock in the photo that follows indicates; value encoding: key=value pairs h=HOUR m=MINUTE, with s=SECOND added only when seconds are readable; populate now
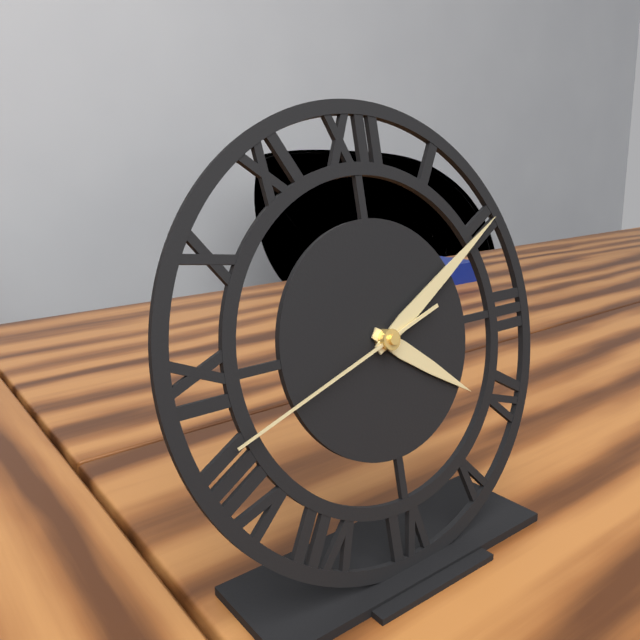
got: h=4 m=10 s=42
